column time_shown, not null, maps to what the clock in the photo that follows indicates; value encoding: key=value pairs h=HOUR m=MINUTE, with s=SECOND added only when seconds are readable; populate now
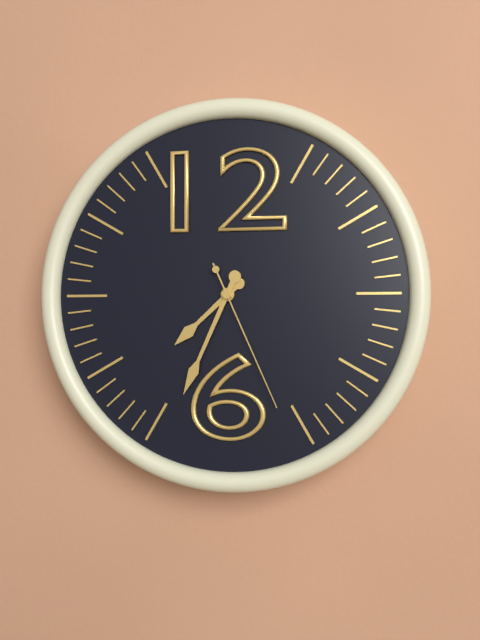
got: h=7 m=34 s=26
